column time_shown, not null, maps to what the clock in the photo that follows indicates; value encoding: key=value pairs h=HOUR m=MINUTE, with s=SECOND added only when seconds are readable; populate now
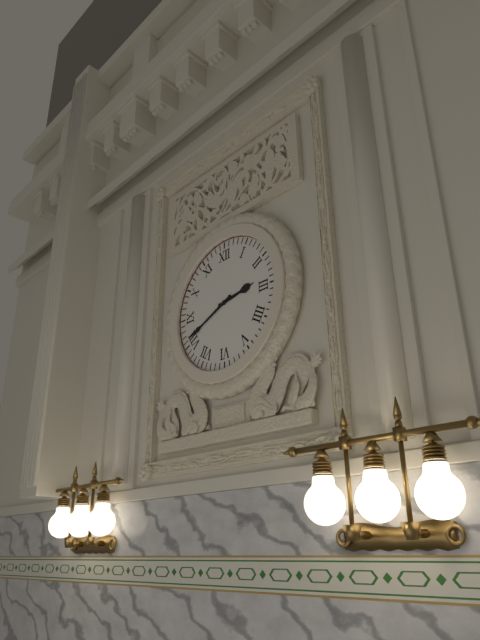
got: h=2 m=41
